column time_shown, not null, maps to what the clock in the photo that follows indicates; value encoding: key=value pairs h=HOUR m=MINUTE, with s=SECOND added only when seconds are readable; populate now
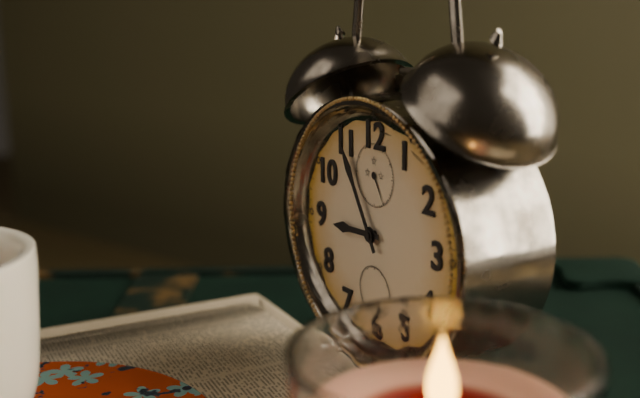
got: h=8 m=55
